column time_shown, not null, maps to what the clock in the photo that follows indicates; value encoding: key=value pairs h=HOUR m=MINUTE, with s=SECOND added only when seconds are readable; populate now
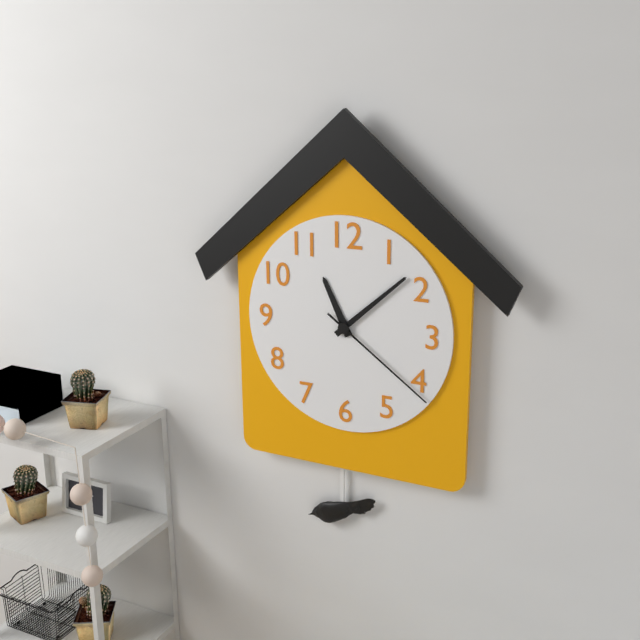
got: h=11 m=8 s=21
